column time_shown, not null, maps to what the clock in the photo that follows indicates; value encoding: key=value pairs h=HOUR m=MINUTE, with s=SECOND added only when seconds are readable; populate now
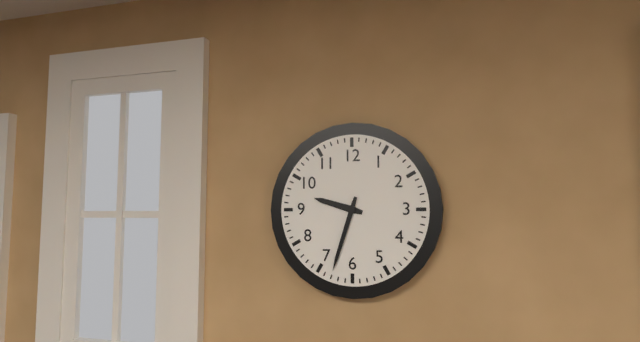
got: h=9 m=33
